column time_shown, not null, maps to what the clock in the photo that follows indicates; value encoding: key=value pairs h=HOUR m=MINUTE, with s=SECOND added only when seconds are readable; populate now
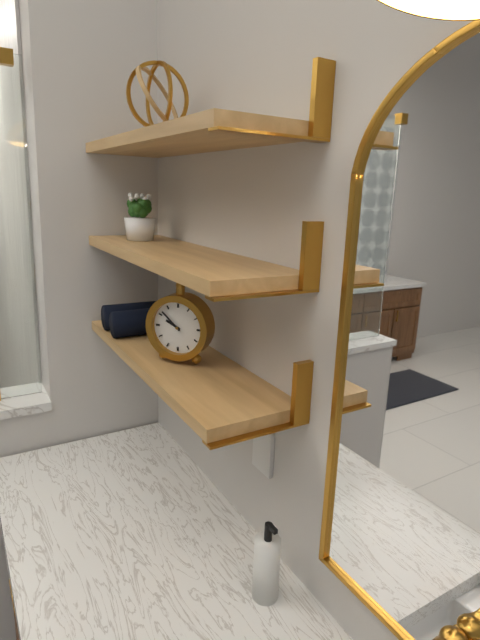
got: h=9 m=52
